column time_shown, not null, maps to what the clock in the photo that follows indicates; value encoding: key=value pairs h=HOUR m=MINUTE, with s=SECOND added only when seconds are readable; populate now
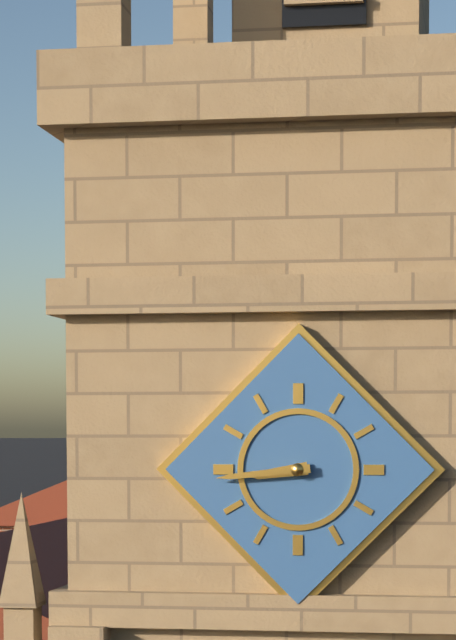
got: h=8 m=44
